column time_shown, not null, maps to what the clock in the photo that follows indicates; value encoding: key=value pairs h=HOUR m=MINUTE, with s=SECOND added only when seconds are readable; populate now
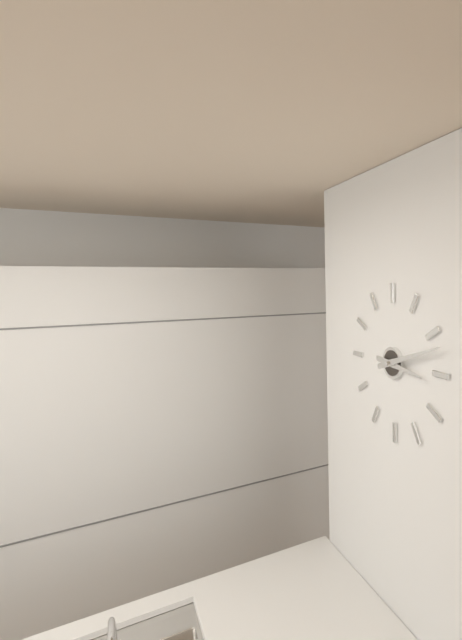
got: h=3 m=12
